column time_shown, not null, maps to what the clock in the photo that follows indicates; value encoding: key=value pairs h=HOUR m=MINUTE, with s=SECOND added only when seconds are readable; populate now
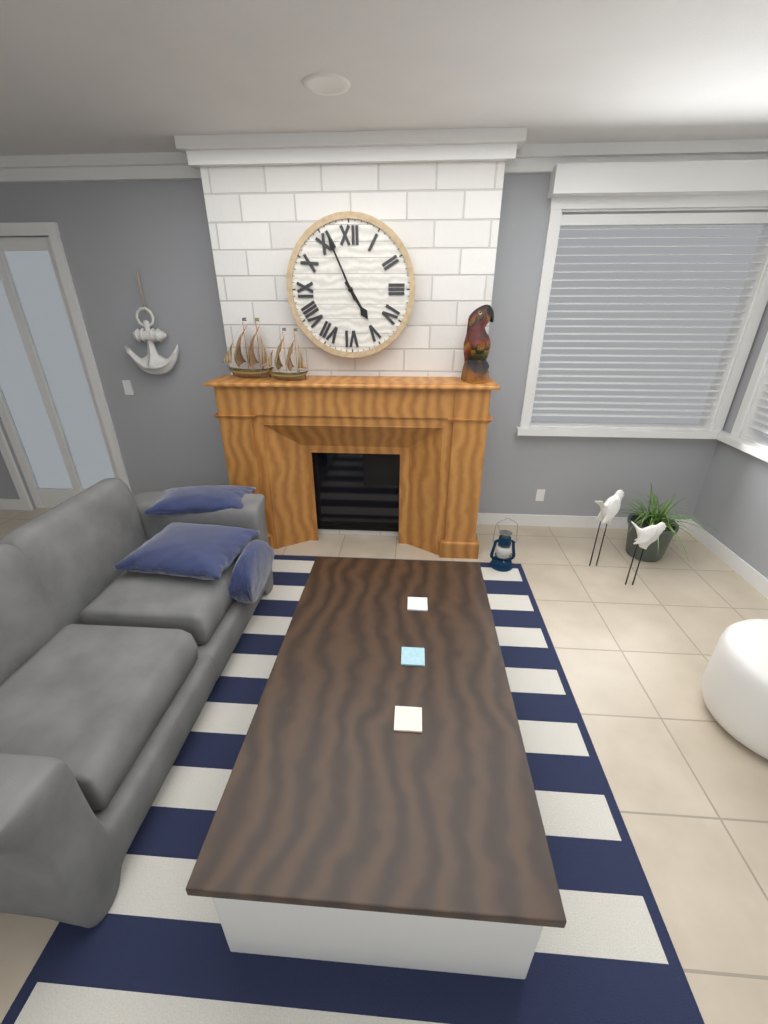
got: h=4 m=56
